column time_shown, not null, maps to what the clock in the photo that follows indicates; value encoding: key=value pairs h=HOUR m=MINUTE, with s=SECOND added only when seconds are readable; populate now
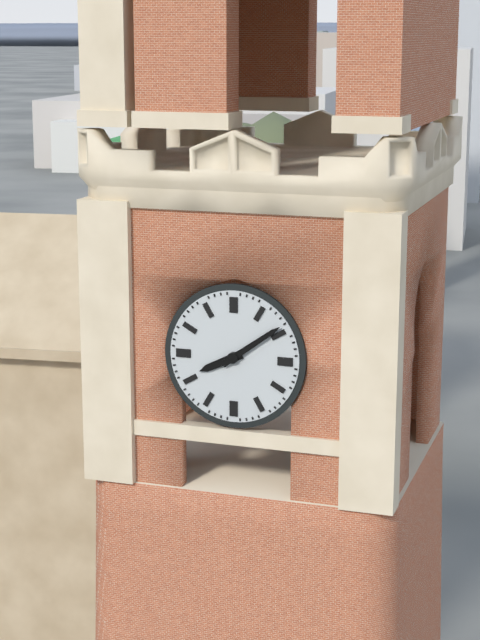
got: h=8 m=9
